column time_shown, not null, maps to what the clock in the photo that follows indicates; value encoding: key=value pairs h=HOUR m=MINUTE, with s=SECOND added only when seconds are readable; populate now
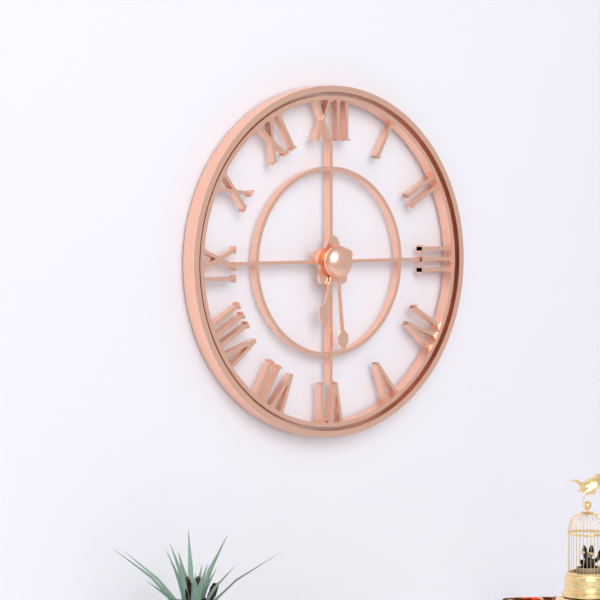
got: h=6 m=29
